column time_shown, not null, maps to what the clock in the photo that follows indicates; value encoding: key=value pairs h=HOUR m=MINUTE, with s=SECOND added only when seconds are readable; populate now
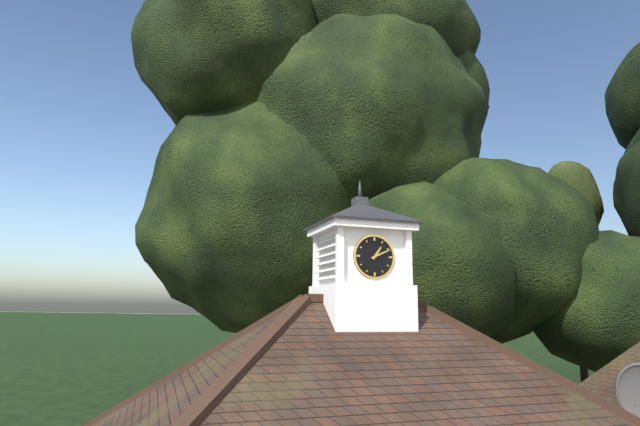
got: h=1 m=11
